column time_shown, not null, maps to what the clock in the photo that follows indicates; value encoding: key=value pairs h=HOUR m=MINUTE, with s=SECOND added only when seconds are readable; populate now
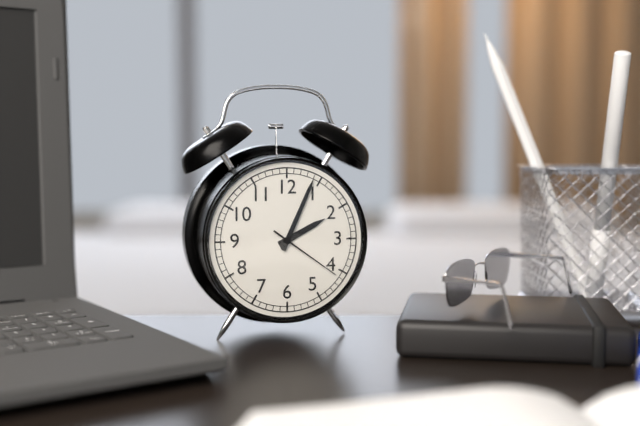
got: h=2 m=4 s=21
